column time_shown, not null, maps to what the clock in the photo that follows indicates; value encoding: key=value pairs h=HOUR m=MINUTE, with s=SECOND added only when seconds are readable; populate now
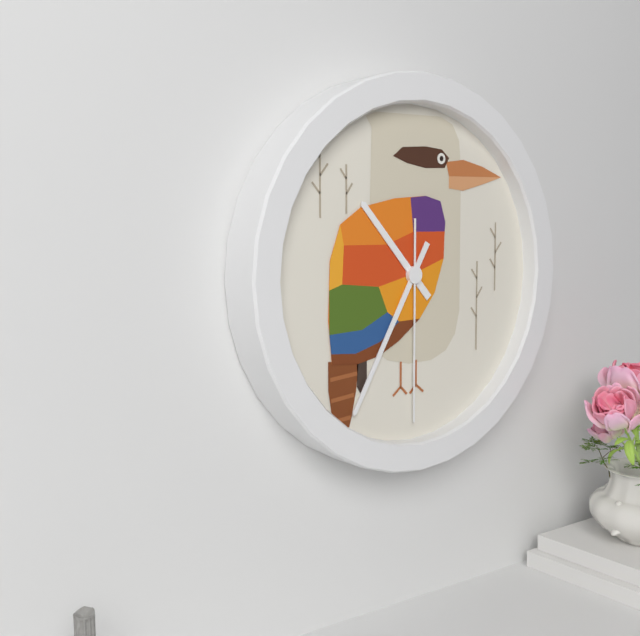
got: h=10 m=35 s=30
